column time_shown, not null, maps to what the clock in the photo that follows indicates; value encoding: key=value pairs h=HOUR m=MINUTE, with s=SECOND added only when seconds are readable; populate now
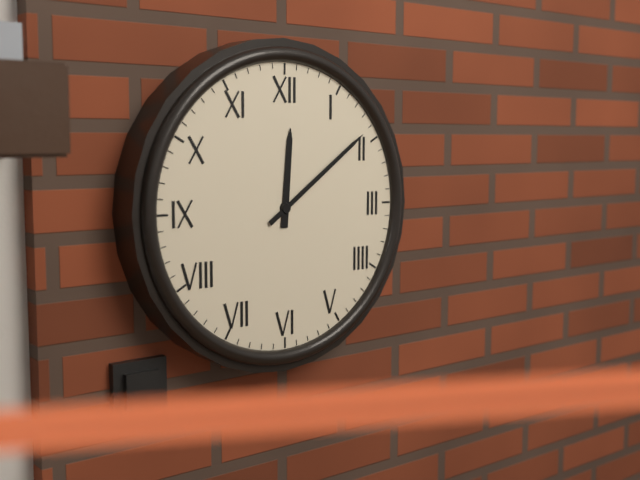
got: h=12 m=9
